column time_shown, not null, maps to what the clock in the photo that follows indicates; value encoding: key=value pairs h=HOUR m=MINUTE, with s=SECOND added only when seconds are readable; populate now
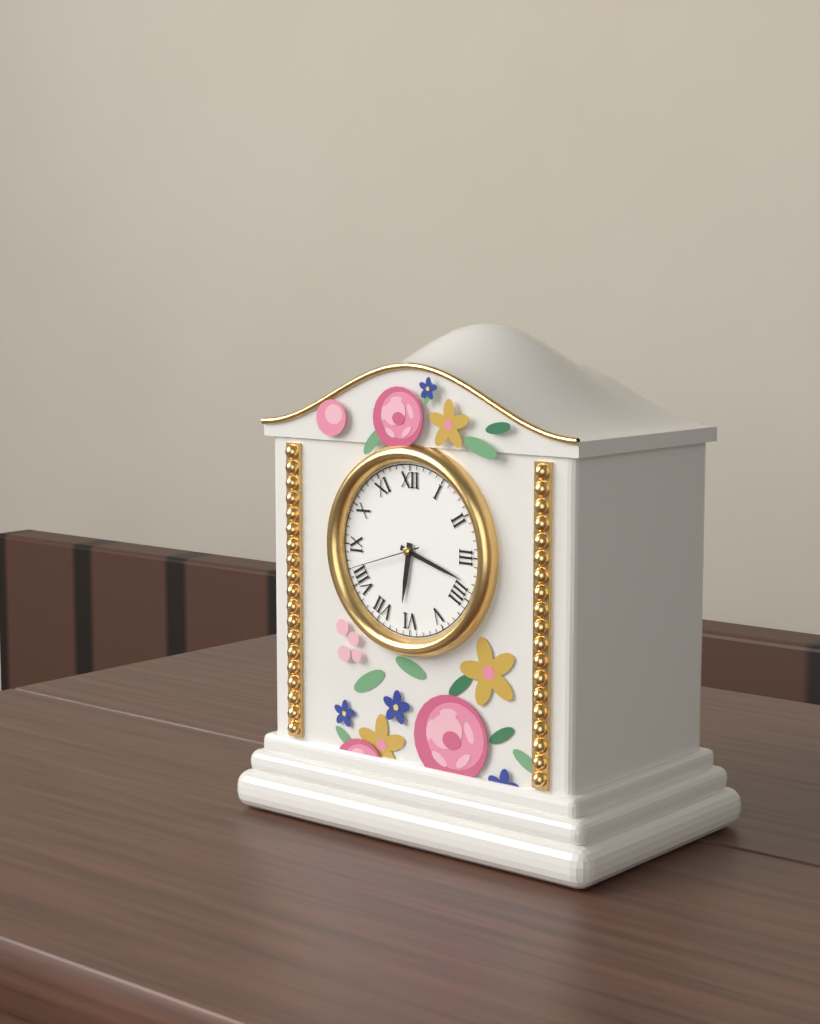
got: h=6 m=18 s=42
